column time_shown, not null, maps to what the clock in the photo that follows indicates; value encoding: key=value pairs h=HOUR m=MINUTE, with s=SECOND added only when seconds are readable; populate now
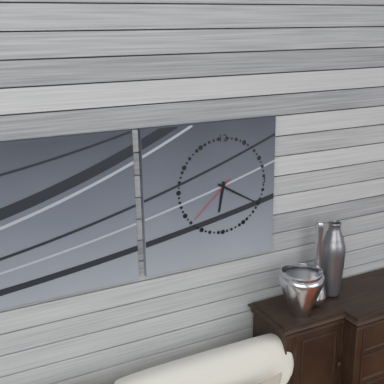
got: h=6 m=20 s=38
